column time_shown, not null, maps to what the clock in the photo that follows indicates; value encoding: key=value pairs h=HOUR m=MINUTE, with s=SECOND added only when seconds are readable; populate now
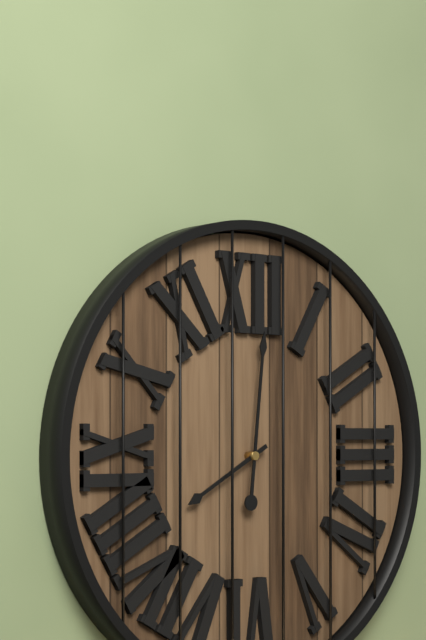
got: h=8 m=1
